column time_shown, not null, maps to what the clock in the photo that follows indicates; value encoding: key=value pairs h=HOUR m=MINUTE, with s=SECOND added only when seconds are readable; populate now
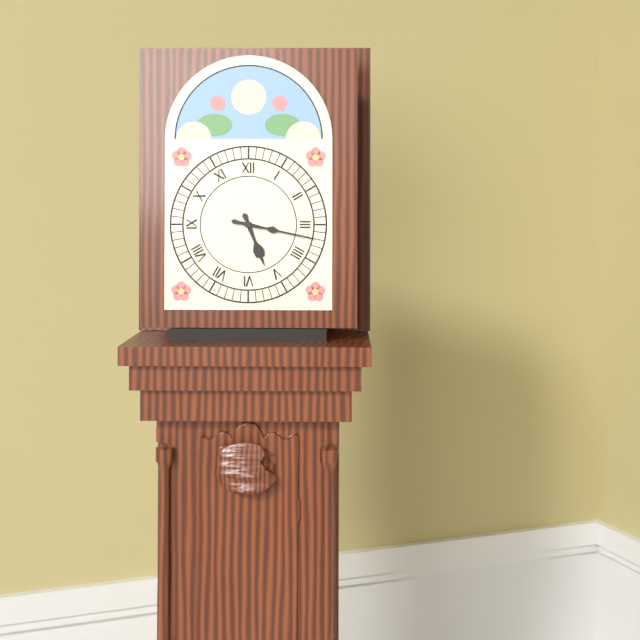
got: h=5 m=17
